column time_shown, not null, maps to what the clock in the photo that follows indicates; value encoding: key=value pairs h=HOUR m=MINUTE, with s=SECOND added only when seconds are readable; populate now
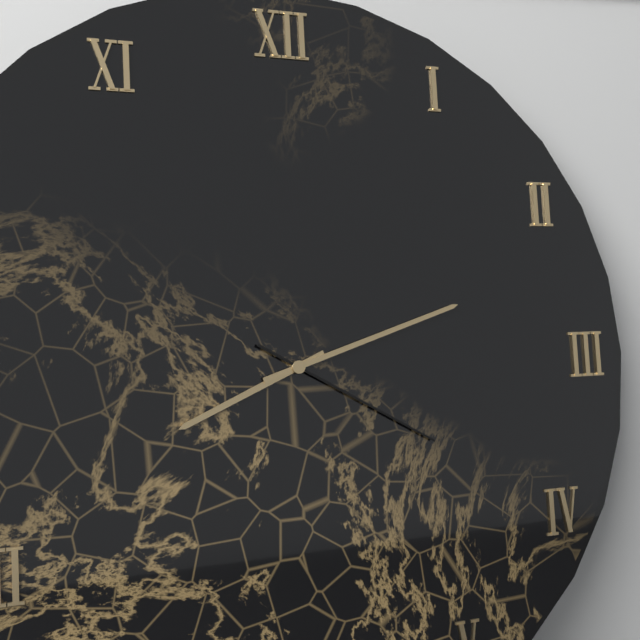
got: h=8 m=12 s=20
